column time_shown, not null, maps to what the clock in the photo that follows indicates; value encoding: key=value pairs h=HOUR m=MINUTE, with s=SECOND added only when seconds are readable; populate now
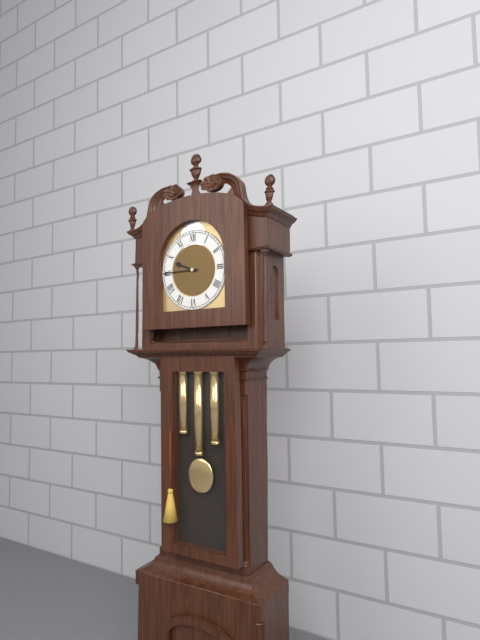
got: h=9 m=45
